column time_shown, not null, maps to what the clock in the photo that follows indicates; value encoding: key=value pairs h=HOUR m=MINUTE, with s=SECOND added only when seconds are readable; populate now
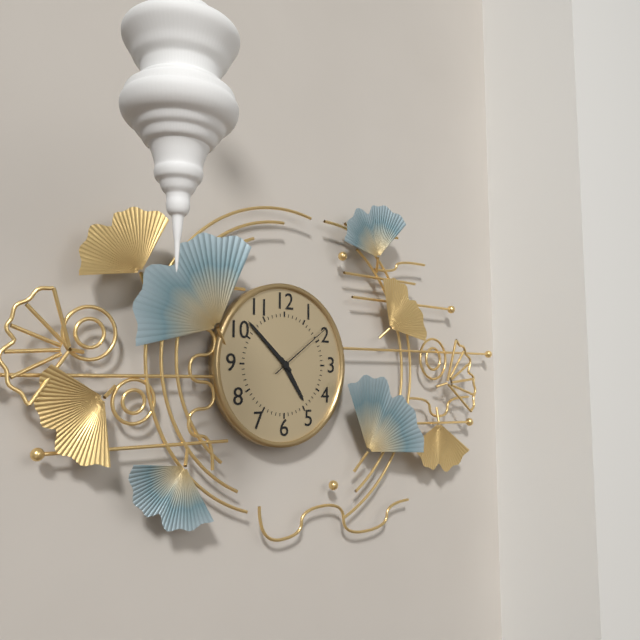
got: h=4 m=52 s=9
